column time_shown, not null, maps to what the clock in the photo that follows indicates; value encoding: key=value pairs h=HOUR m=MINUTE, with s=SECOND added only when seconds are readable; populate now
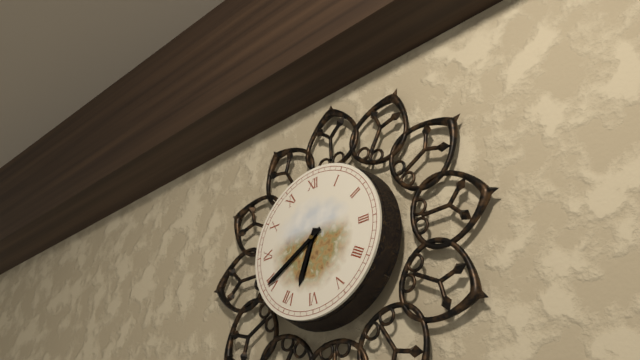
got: h=6 m=40
